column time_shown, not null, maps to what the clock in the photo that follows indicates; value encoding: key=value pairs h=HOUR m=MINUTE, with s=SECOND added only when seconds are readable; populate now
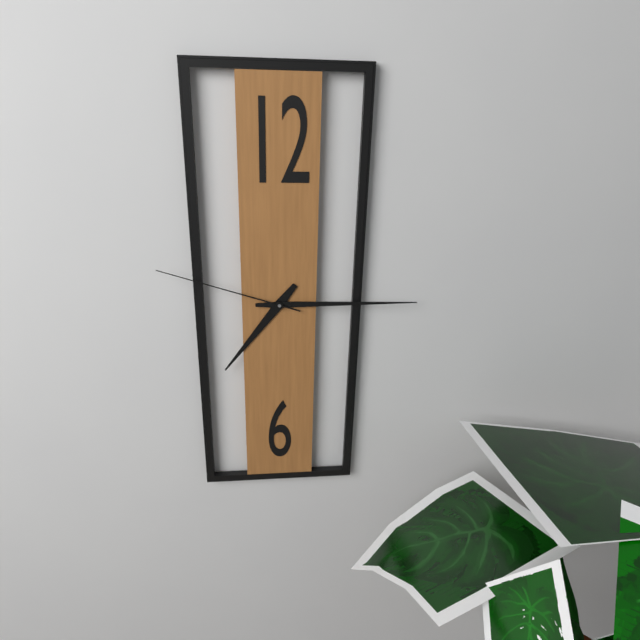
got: h=7 m=15 s=48
